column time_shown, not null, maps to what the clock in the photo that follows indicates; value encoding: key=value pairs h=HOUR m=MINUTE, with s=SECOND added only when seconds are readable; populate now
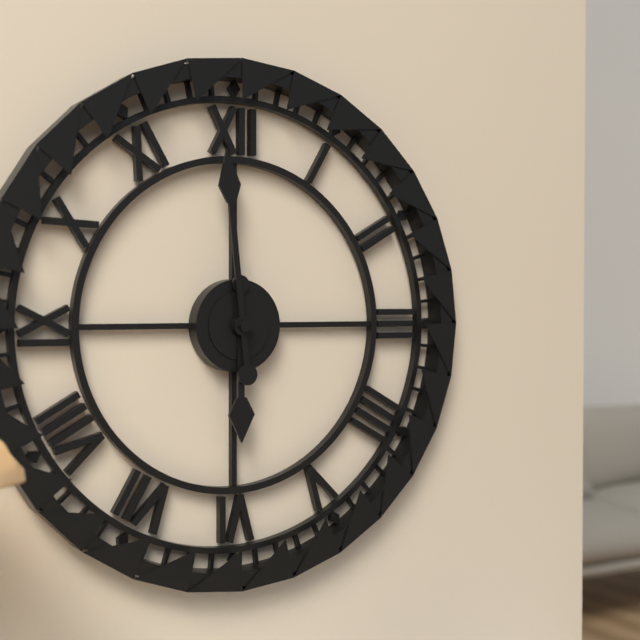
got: h=5 m=59
